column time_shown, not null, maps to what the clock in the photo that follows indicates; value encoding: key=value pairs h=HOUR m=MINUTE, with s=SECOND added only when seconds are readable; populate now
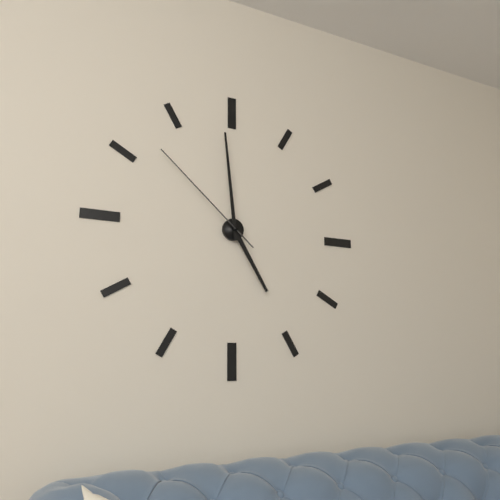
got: h=4 m=59 s=52
